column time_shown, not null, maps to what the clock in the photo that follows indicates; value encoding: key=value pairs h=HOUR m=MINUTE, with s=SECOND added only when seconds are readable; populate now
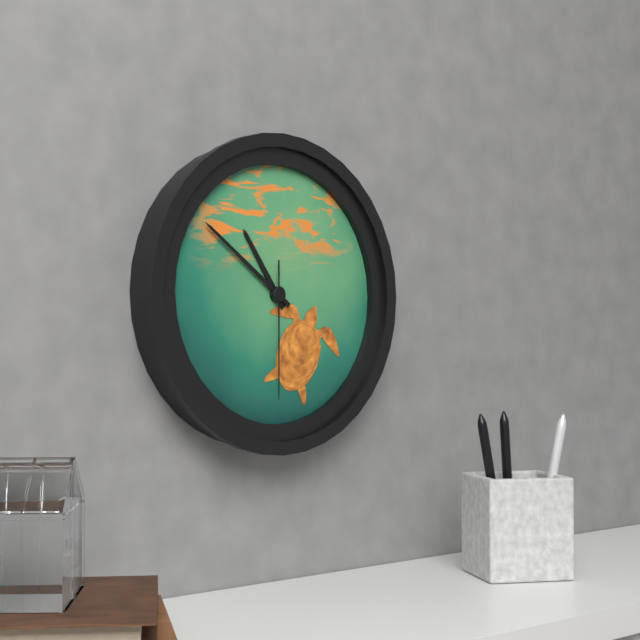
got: h=10 m=51 s=30
